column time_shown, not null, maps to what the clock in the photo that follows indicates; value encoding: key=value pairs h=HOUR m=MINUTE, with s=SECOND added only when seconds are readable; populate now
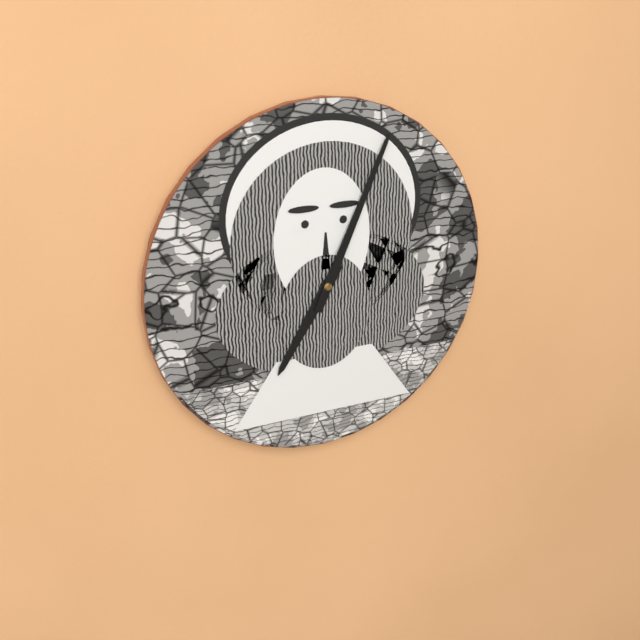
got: h=7 m=4
